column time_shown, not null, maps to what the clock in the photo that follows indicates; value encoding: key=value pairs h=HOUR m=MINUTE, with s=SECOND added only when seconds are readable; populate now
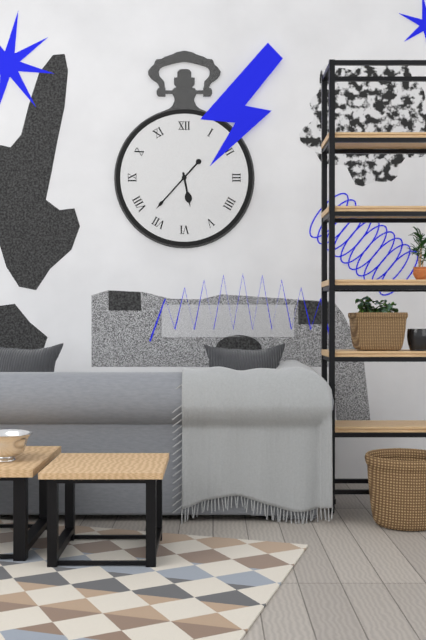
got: h=5 m=37
